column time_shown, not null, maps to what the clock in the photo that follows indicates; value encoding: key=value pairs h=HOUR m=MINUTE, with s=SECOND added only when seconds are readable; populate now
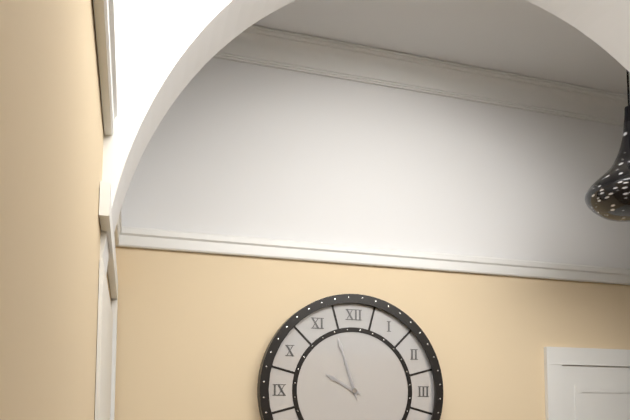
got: h=9 m=57
